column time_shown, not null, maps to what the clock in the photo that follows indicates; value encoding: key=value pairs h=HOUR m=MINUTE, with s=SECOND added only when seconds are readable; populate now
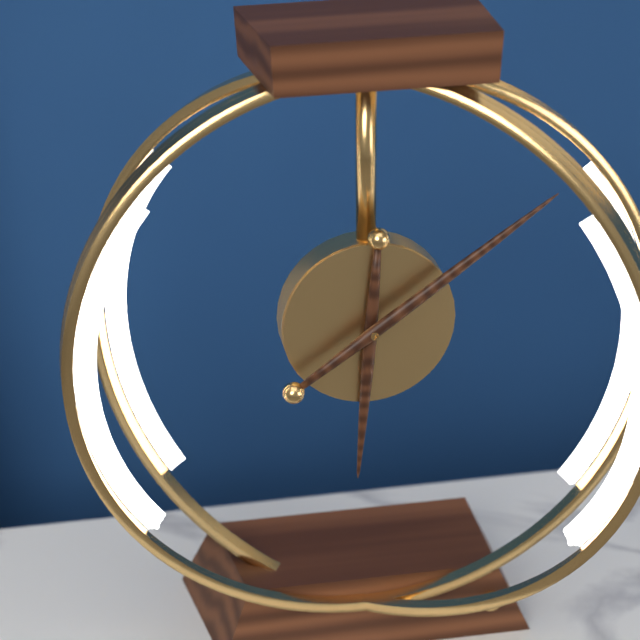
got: h=6 m=9
